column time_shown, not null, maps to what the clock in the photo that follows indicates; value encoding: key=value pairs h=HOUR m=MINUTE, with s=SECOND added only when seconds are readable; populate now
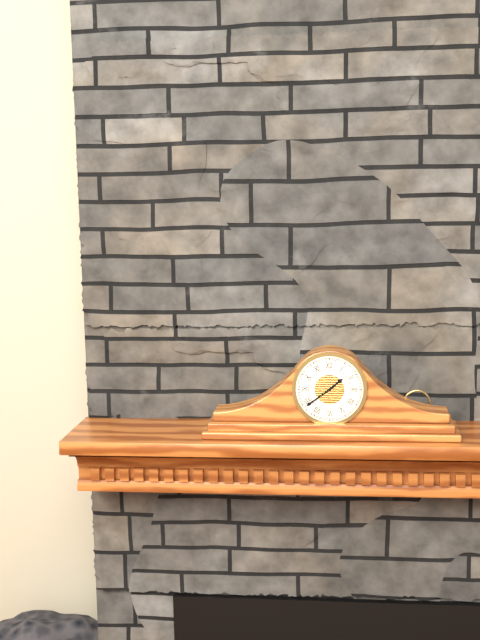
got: h=1 m=39
